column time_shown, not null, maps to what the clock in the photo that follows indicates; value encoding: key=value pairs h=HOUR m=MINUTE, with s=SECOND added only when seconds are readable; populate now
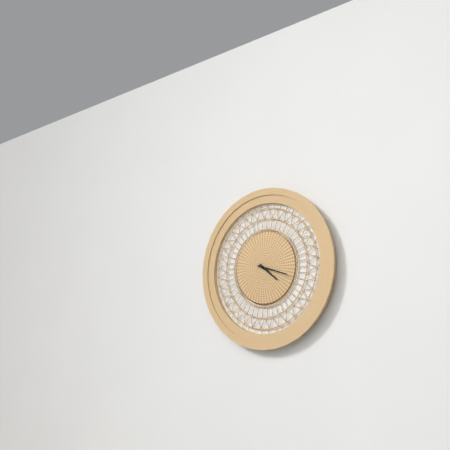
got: h=4 m=18
